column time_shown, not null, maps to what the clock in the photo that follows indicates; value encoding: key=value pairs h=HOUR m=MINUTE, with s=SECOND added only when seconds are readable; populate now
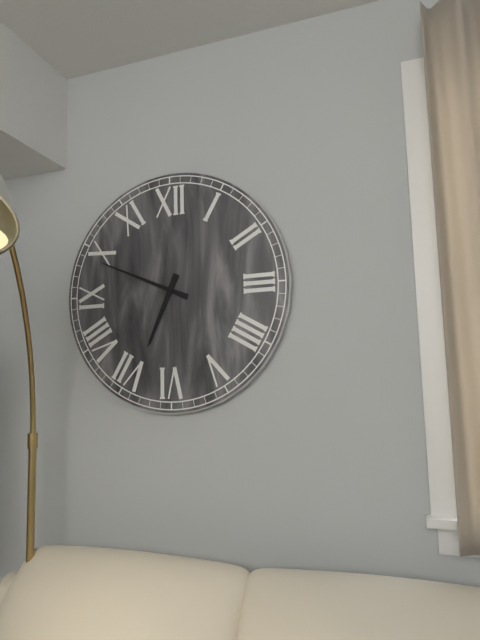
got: h=6 m=49
